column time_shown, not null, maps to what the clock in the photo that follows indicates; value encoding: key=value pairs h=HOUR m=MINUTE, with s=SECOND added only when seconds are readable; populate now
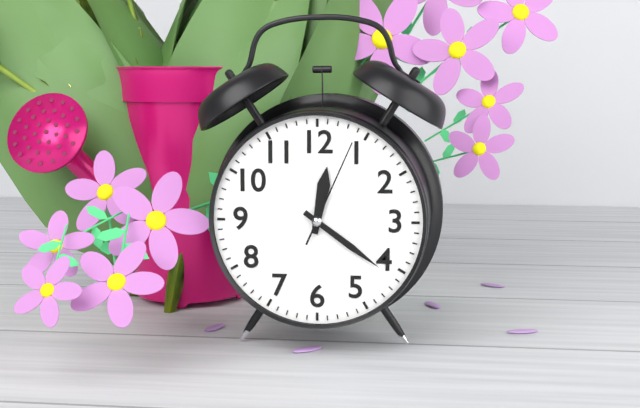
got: h=12 m=21 s=4
